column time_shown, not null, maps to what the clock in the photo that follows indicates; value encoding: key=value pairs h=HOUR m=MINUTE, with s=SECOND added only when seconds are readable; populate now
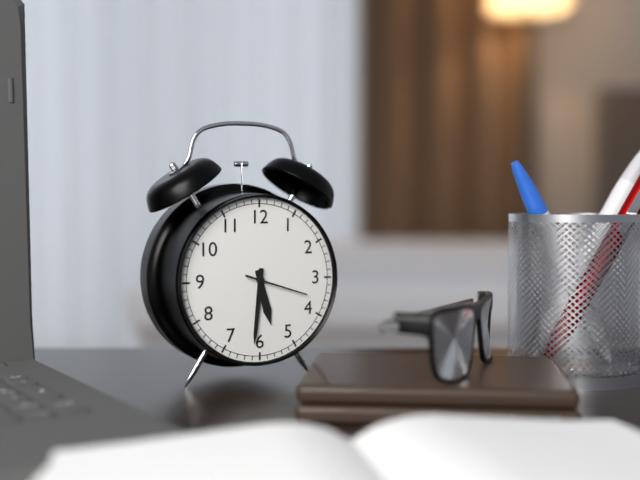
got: h=5 m=31 s=18
